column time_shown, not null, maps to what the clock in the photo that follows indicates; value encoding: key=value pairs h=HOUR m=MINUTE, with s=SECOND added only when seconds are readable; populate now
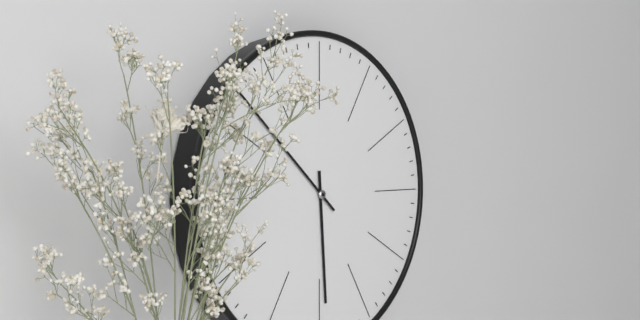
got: h=5 m=52
